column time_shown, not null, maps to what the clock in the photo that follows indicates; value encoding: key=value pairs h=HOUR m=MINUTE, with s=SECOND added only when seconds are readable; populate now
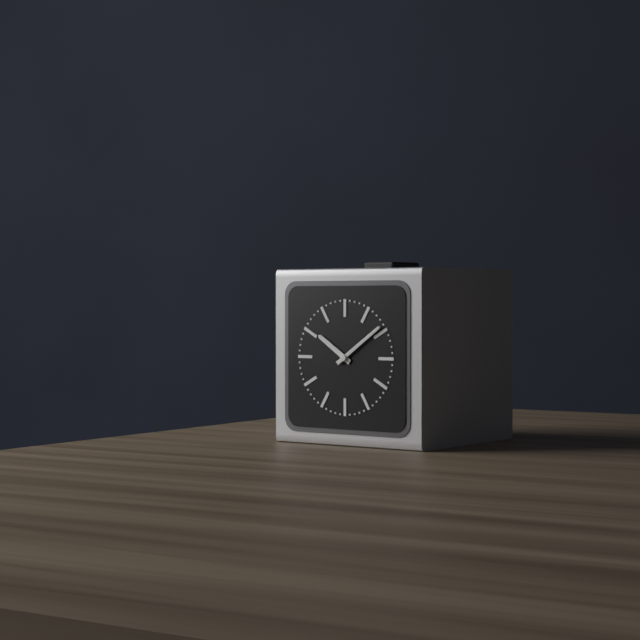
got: h=10 m=9
